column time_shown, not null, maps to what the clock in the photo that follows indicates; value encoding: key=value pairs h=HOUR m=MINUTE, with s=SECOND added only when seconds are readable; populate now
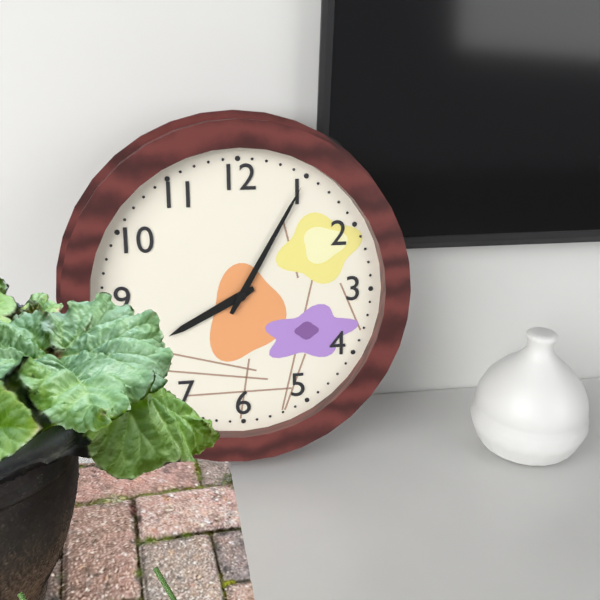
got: h=8 m=5
